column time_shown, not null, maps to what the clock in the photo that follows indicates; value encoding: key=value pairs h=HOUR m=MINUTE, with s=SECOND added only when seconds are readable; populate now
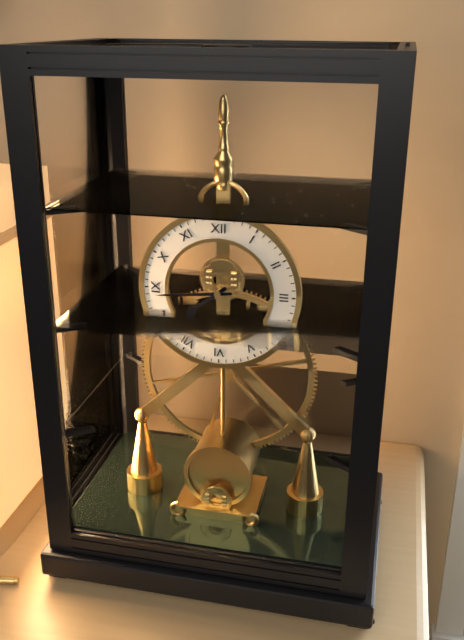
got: h=7 m=44
